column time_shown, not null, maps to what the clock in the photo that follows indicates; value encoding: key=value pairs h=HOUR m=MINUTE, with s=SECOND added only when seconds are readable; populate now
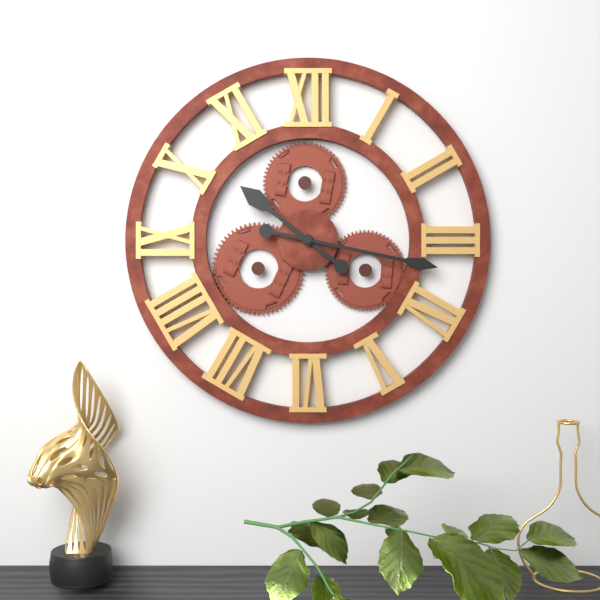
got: h=10 m=17
